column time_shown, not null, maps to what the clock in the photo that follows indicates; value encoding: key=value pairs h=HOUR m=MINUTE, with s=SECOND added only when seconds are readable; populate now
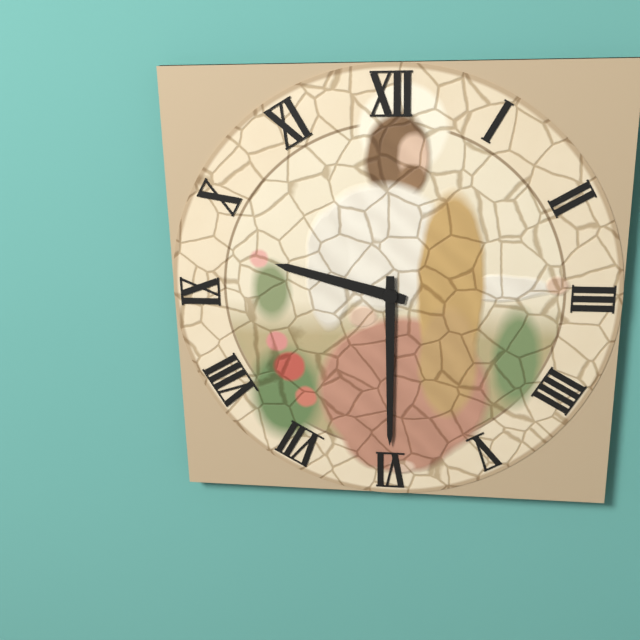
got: h=9 m=30
